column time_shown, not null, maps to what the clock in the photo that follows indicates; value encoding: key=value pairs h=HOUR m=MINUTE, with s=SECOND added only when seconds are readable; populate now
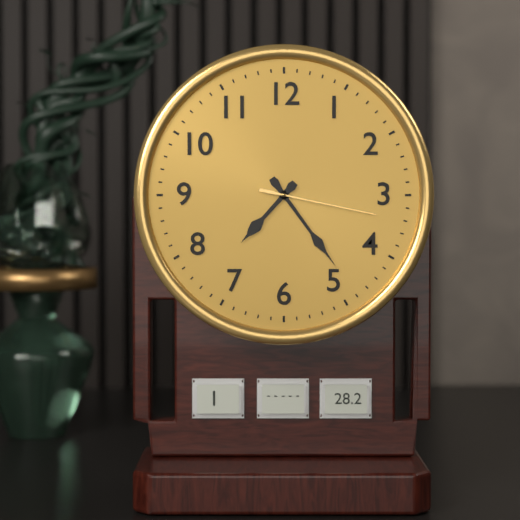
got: h=7 m=24 s=17
